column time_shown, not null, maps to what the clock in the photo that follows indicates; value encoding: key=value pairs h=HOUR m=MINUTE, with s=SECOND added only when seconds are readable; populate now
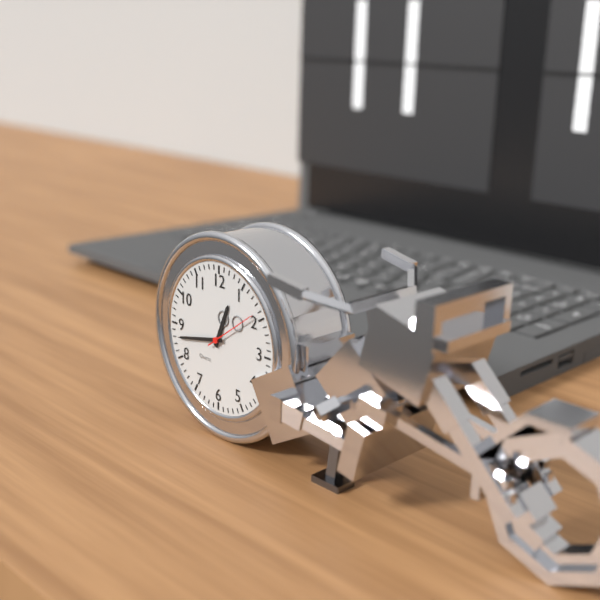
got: h=12 m=43 s=9
